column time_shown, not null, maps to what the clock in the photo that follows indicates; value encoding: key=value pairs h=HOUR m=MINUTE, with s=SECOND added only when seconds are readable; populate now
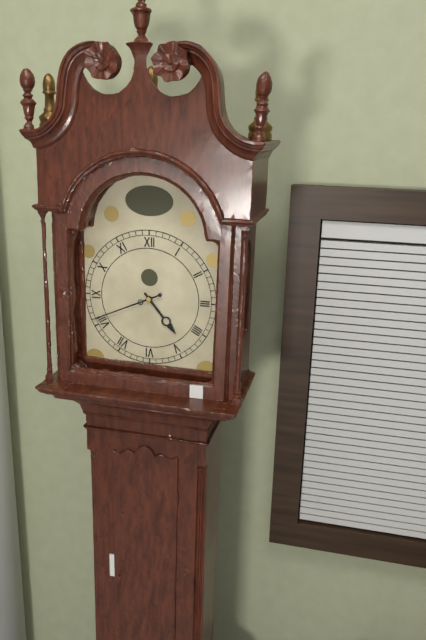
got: h=4 m=41
